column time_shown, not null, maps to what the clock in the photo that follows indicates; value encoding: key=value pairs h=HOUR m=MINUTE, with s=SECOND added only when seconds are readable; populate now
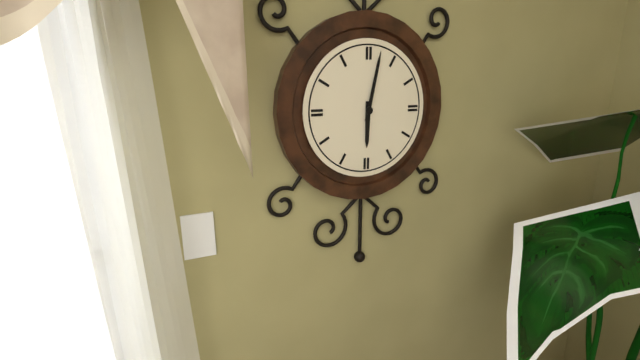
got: h=6 m=2
